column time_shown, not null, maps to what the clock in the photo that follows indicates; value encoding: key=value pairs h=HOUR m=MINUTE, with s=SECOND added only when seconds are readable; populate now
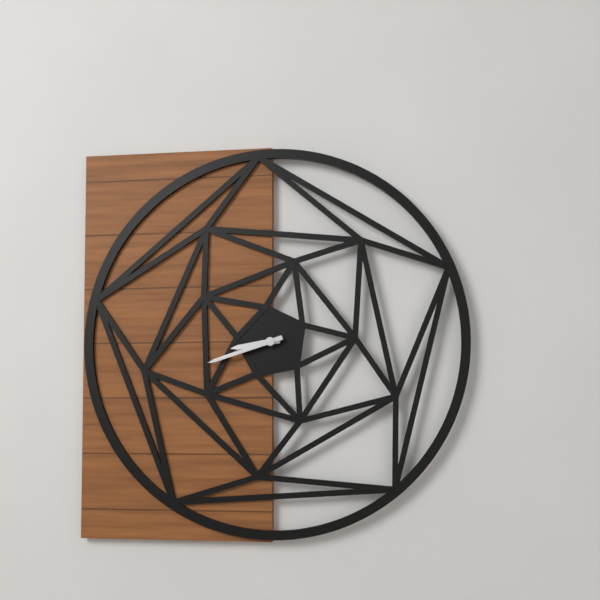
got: h=8 m=42
